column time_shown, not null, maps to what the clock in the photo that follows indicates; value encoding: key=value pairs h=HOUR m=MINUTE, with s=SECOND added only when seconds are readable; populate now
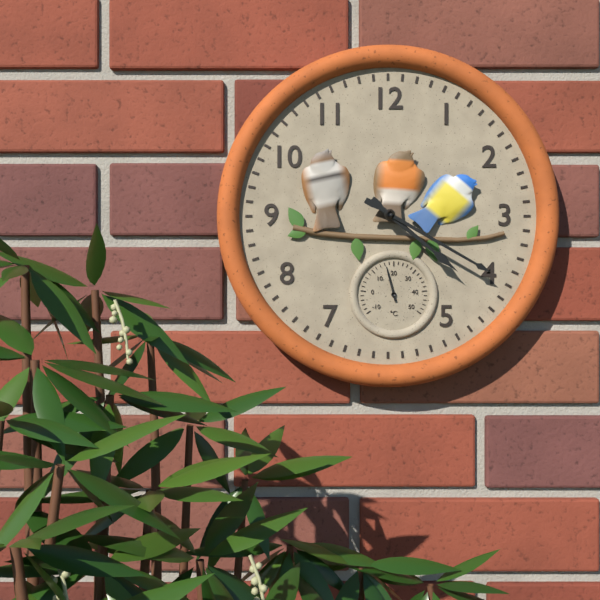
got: h=4 m=20
